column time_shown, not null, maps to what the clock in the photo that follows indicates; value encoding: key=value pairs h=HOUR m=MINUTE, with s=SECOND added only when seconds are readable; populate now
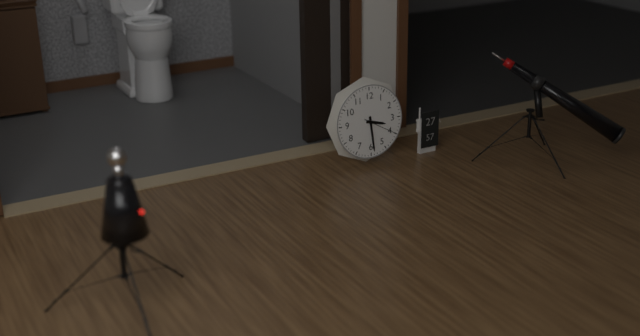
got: h=3 m=29
